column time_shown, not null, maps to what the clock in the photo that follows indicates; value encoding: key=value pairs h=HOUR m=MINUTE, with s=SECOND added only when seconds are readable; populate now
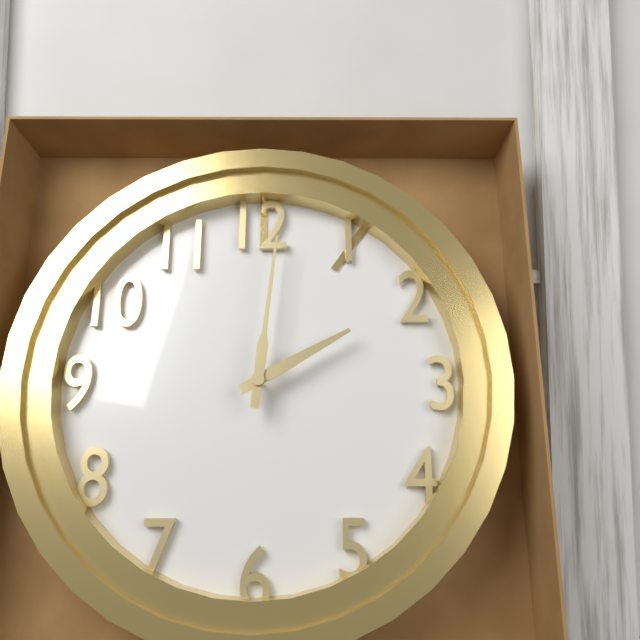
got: h=2 m=1
